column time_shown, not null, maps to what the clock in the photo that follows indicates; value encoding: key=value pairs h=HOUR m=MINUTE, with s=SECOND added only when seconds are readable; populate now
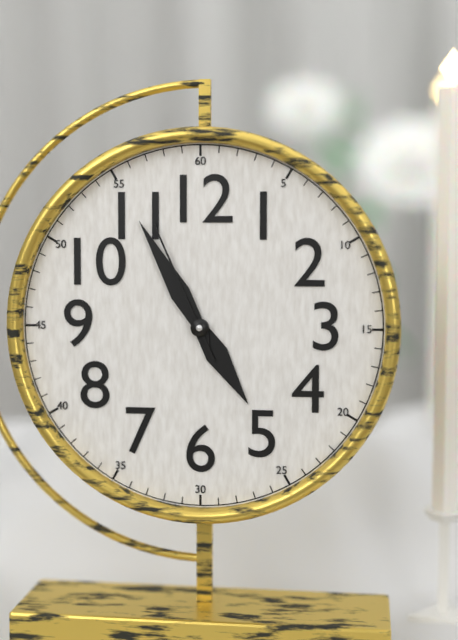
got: h=4 m=55 s=56
